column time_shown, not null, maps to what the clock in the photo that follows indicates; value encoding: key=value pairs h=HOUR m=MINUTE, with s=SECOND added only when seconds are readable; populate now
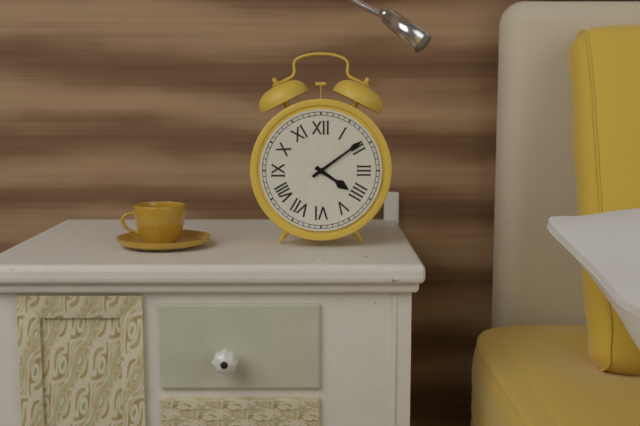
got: h=4 m=9
